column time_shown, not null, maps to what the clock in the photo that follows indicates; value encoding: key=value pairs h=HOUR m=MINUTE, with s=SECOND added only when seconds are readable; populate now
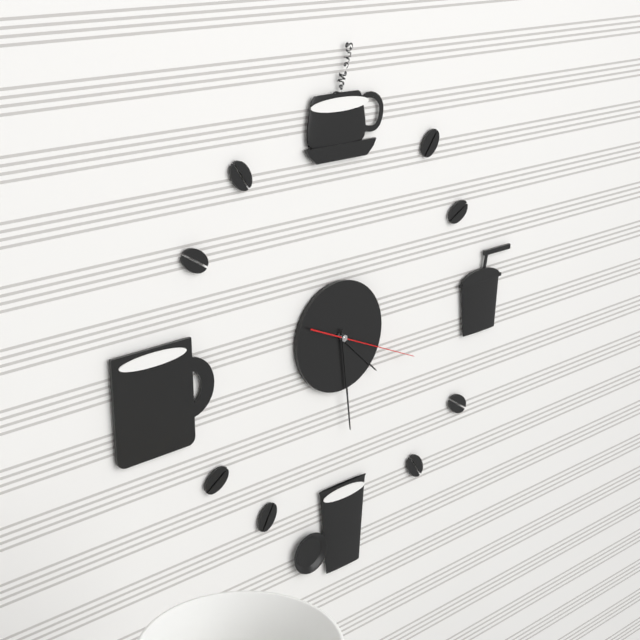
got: h=4 m=29 s=19
